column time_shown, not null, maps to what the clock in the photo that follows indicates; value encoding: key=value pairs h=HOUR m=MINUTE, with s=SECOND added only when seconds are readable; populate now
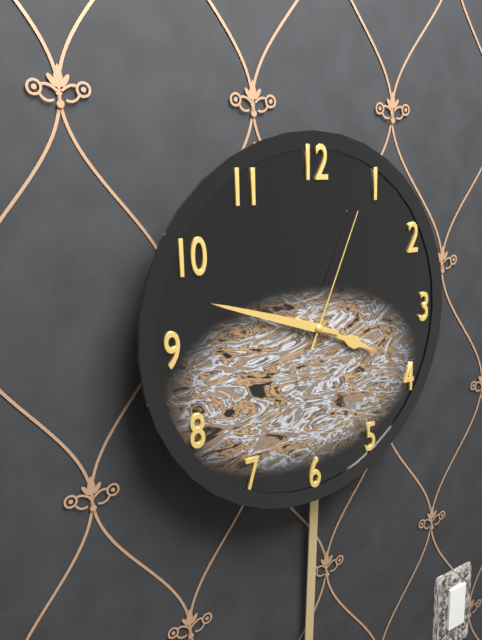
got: h=3 m=48 s=4
